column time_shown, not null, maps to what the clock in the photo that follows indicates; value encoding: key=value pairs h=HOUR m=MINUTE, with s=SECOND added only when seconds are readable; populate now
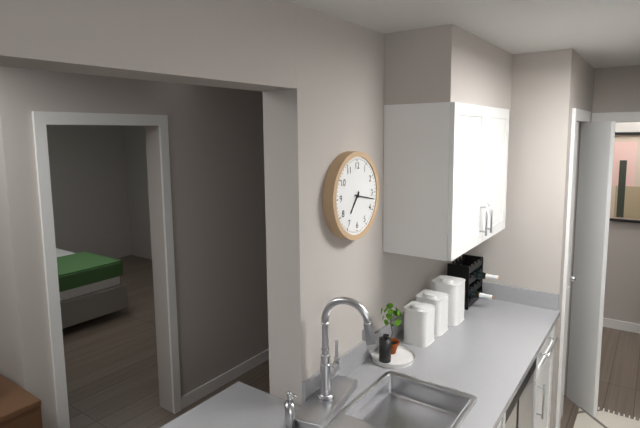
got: h=7 m=17
